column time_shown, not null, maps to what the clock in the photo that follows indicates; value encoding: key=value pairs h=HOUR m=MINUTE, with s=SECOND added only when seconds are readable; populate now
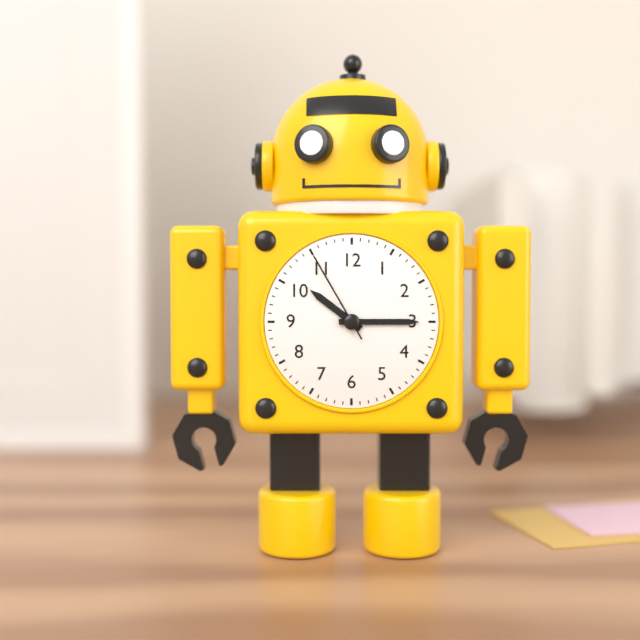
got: h=10 m=15 s=55
